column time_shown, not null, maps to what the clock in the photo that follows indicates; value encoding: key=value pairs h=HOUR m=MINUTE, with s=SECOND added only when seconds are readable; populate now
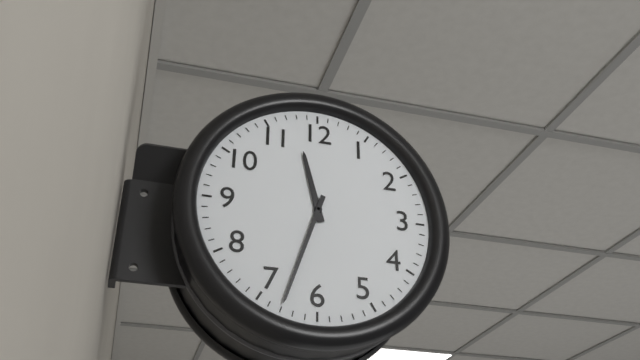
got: h=11 m=33
